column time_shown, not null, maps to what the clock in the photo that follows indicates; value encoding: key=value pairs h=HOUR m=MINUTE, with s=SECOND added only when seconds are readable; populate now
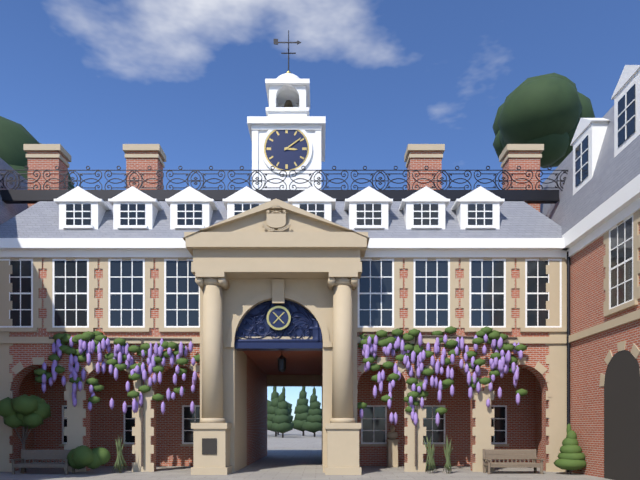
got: h=3 m=9
